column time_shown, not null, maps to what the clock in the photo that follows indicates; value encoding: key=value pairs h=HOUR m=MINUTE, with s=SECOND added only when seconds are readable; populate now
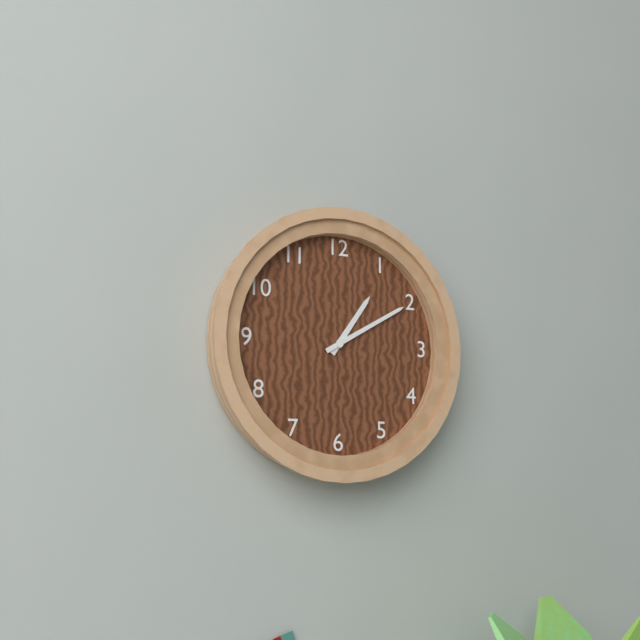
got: h=1 m=10
